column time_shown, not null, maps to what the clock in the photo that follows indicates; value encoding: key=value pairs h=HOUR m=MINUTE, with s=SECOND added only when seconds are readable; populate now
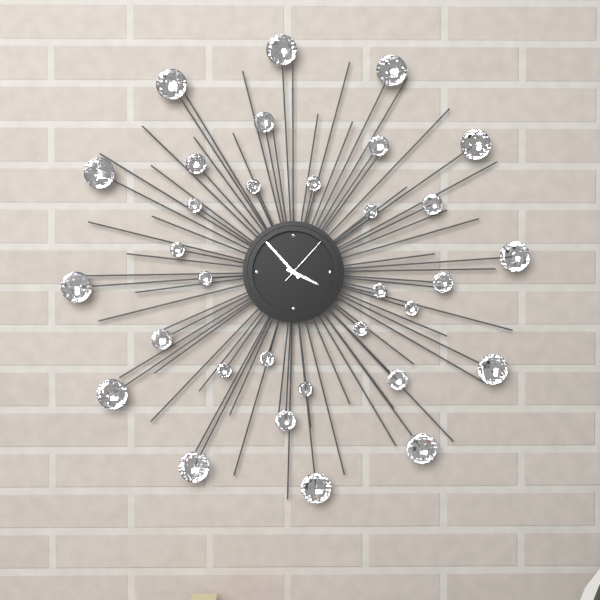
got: h=3 m=53 s=7
